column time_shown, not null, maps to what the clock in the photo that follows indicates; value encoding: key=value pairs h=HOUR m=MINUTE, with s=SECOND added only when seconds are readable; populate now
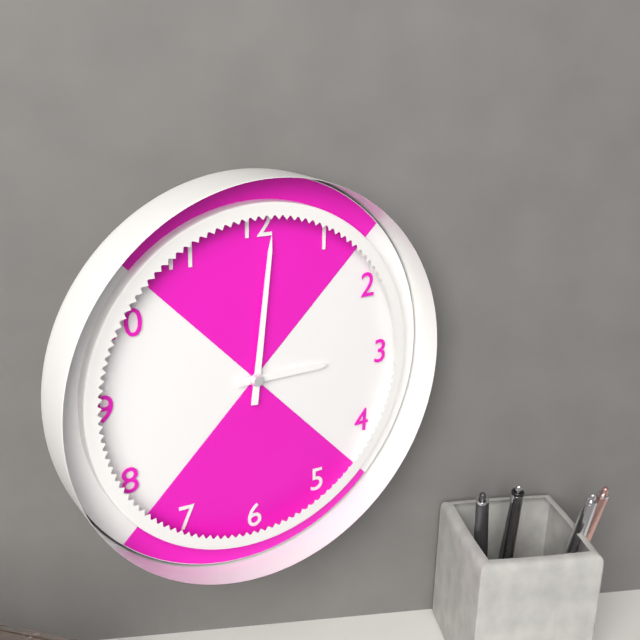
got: h=3 m=1
